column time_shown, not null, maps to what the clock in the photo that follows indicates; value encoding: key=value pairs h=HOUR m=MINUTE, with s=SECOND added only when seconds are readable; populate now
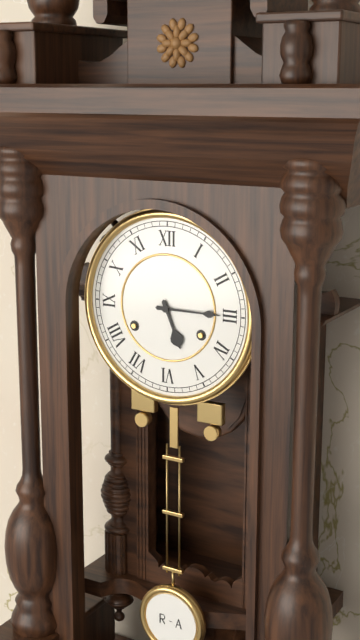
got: h=5 m=15
